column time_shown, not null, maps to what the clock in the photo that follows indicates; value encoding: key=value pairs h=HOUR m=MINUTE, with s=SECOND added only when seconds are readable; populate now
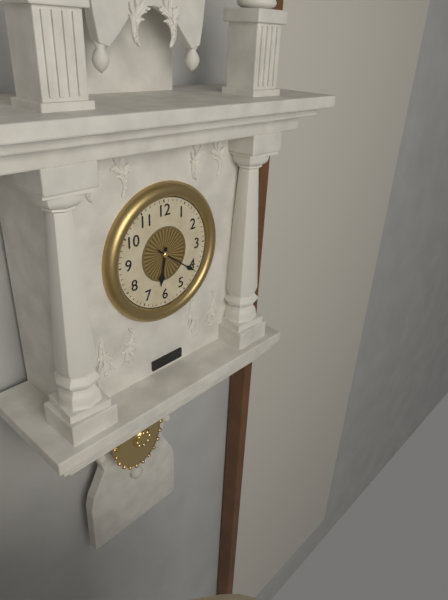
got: h=6 m=21
